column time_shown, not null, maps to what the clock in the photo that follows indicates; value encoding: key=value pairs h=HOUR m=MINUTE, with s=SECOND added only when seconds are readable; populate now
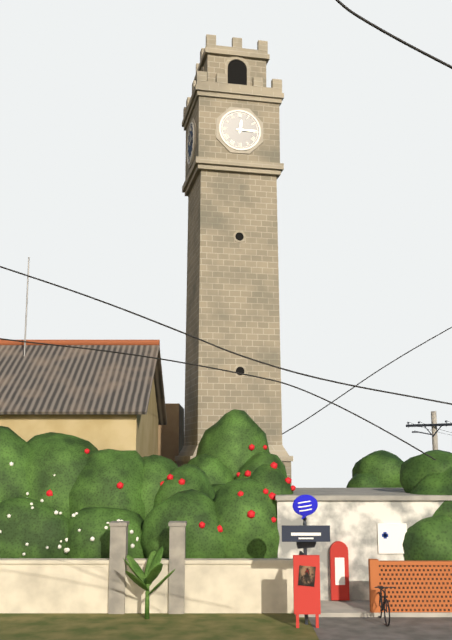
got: h=12 m=15
